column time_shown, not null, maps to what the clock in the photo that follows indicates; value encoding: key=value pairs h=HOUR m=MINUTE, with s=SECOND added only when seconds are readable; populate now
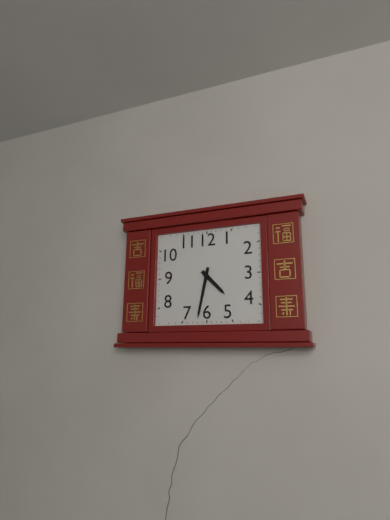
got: h=4 m=32
